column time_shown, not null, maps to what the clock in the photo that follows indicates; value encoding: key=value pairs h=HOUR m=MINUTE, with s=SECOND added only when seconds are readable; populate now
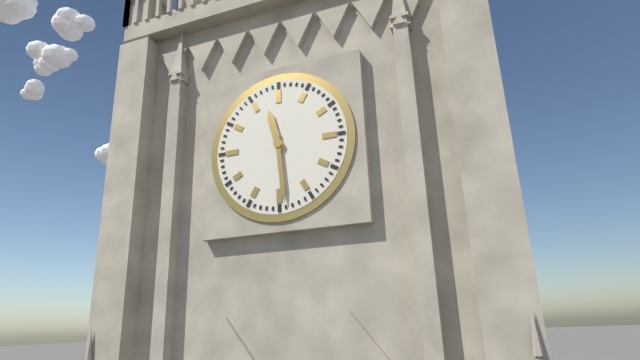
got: h=11 m=29
